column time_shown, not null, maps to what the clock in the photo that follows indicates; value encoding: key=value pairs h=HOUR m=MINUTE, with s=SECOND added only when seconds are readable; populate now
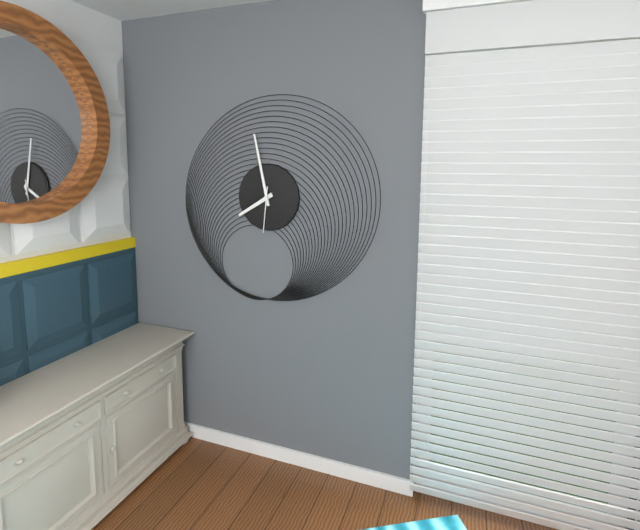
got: h=7 m=58
